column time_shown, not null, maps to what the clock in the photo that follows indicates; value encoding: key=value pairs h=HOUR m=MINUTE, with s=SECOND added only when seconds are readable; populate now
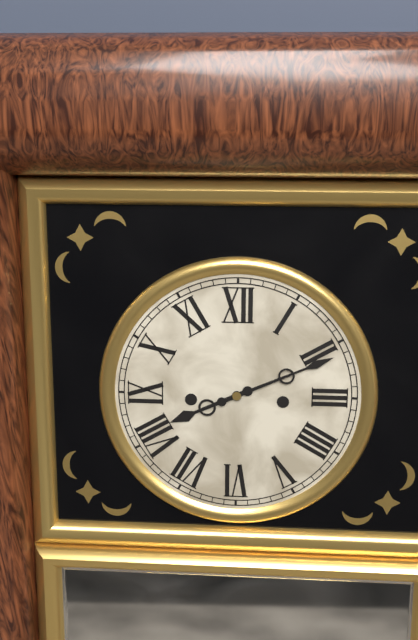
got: h=8 m=11
